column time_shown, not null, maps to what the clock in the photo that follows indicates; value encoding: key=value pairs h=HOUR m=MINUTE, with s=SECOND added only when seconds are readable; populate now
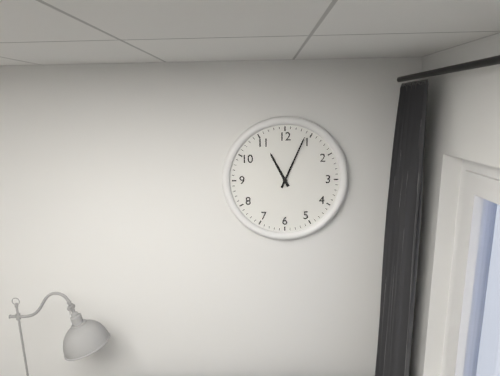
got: h=11 m=4
